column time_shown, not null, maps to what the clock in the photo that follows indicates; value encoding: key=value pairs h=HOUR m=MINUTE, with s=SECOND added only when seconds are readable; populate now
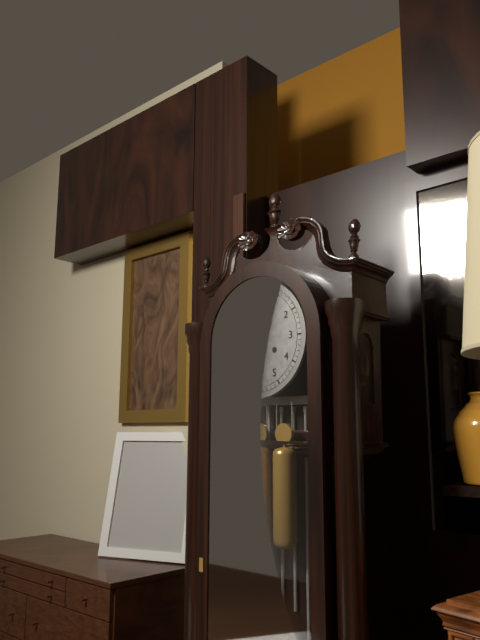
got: h=11 m=36
